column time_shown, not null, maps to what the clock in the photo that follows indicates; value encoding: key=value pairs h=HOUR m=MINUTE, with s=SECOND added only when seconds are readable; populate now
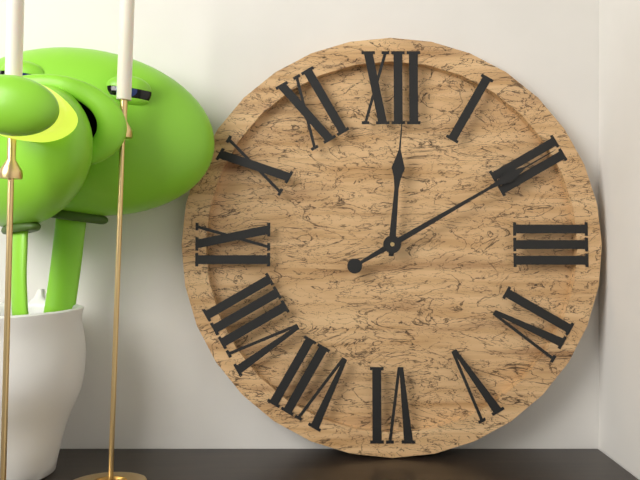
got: h=12 m=10
